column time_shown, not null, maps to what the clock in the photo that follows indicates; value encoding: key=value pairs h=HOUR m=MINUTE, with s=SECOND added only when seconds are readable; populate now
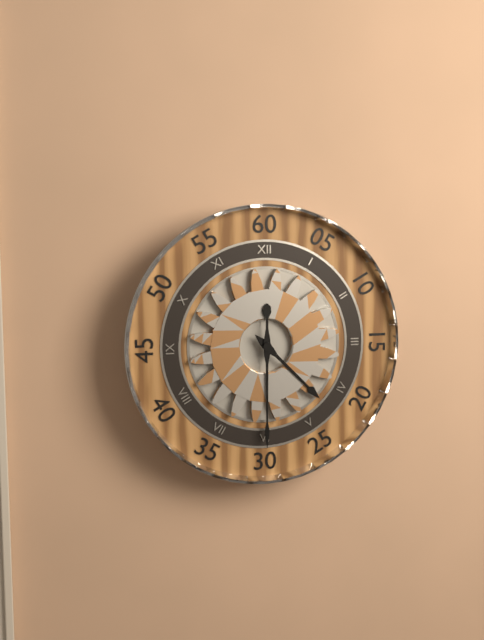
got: h=4 m=30
